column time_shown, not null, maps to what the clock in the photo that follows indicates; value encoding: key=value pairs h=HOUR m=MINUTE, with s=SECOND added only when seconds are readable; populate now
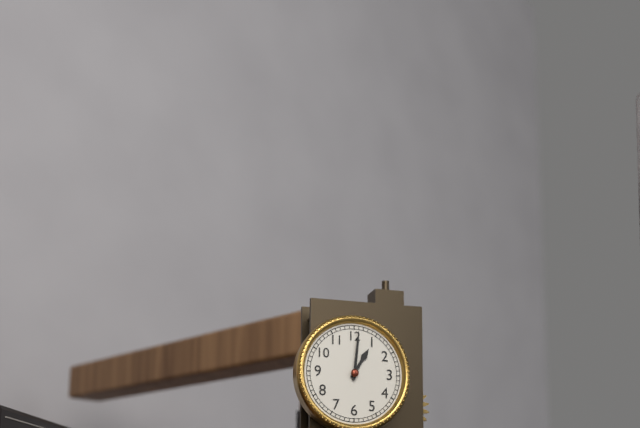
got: h=1 m=1
